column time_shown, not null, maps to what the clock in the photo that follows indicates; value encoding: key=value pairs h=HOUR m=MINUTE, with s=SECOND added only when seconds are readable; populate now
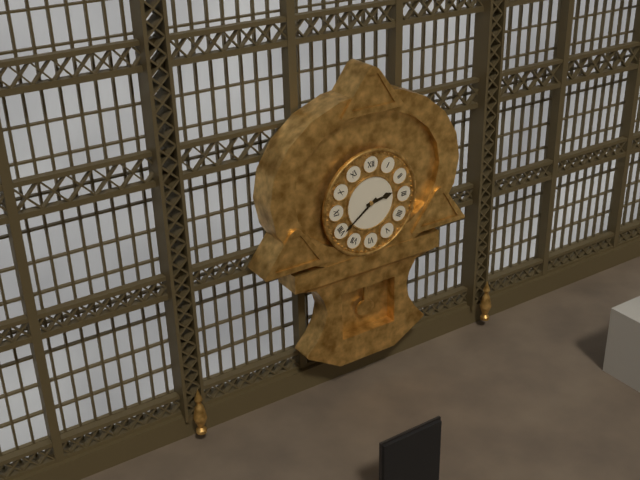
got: h=2 m=39
